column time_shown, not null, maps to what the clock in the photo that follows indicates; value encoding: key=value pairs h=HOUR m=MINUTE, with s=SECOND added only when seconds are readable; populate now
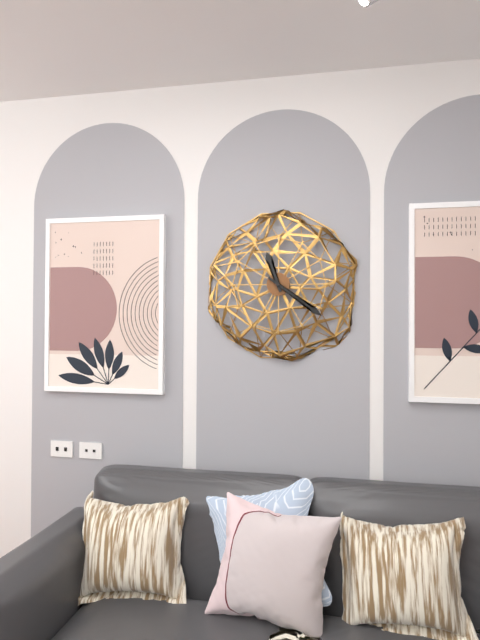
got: h=11 m=21
